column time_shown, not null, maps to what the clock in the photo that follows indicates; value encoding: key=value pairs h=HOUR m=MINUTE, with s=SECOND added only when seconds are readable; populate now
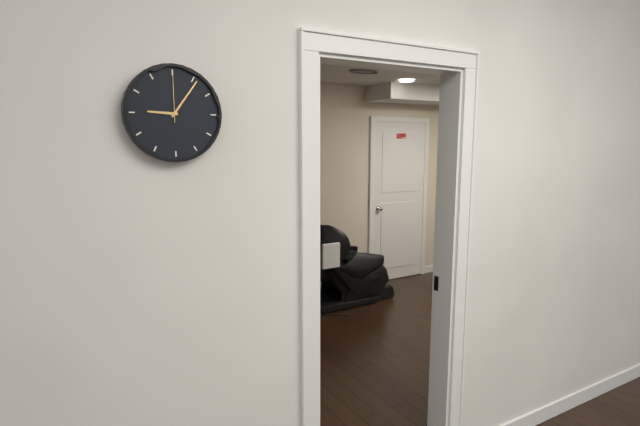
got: h=9 m=6
